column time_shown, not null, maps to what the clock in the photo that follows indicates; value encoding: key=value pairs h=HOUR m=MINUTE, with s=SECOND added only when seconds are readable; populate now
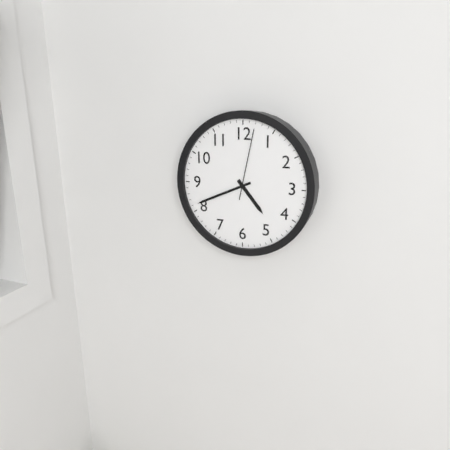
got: h=4 m=41 s=2
